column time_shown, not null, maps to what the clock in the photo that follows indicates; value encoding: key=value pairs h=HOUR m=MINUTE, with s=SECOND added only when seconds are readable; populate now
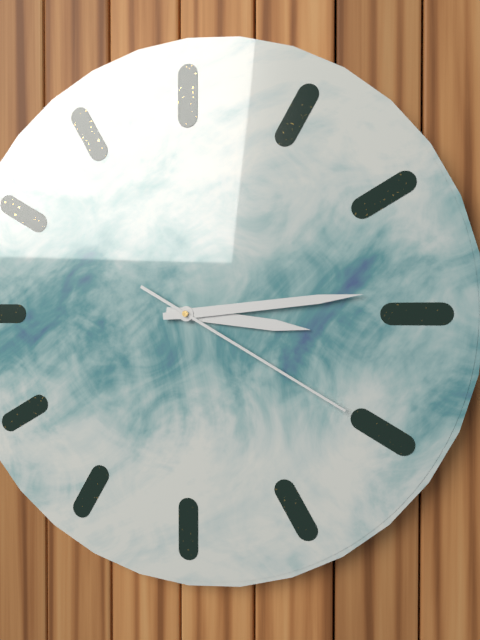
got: h=3 m=14 s=20
